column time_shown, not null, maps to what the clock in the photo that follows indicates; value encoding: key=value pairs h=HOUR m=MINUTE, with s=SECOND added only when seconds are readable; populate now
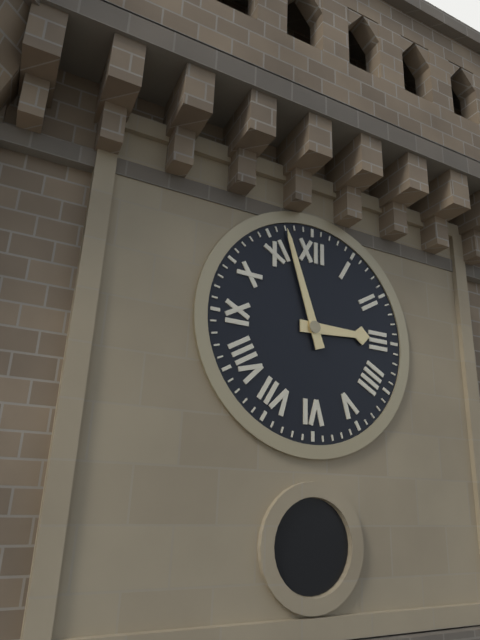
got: h=2 m=57
